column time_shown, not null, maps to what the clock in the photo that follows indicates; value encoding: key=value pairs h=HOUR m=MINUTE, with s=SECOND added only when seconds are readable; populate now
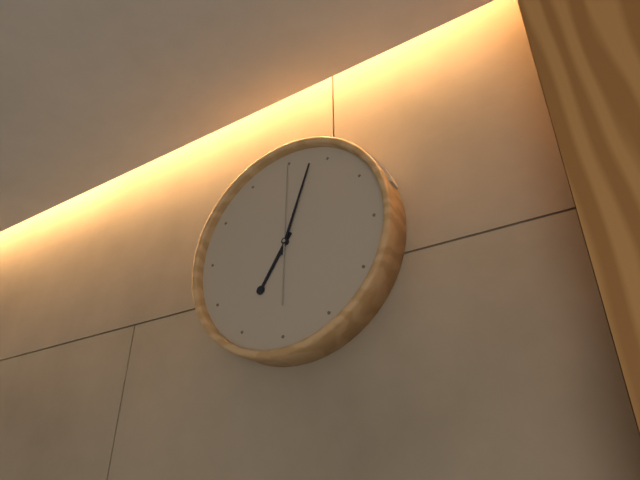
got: h=7 m=3 s=0
